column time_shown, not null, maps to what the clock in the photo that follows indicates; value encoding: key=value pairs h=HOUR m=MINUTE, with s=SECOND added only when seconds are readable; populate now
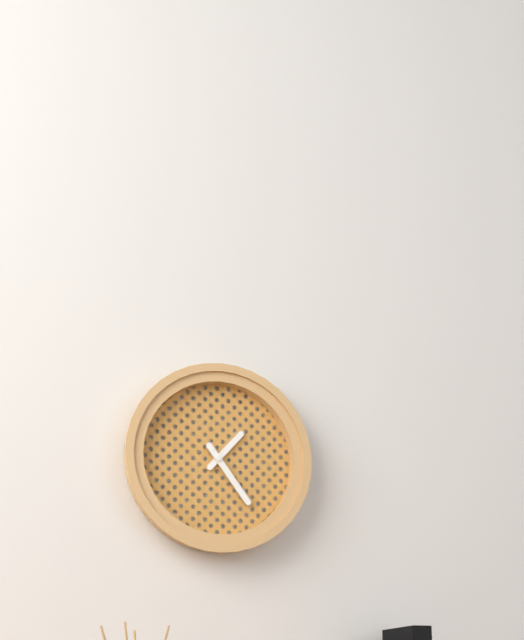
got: h=1 m=24
